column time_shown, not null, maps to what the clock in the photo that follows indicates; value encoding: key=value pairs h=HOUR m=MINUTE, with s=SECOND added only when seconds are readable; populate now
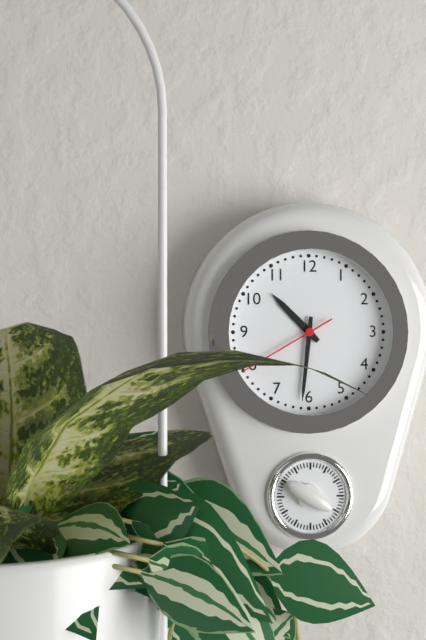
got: h=10 m=31 s=40
